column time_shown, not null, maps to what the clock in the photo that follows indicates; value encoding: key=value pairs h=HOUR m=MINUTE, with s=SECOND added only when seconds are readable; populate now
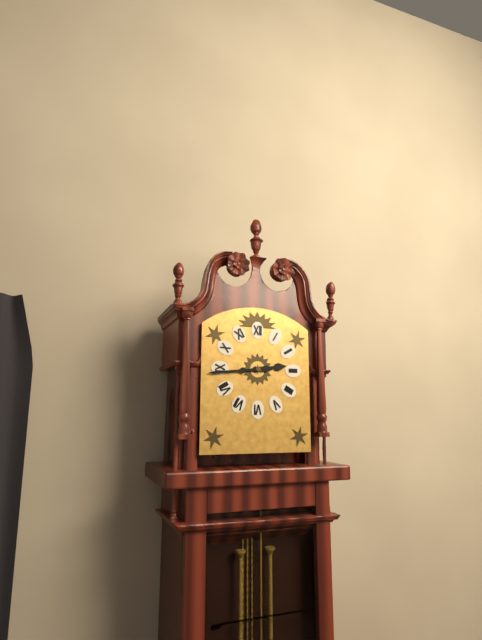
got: h=2 m=44
